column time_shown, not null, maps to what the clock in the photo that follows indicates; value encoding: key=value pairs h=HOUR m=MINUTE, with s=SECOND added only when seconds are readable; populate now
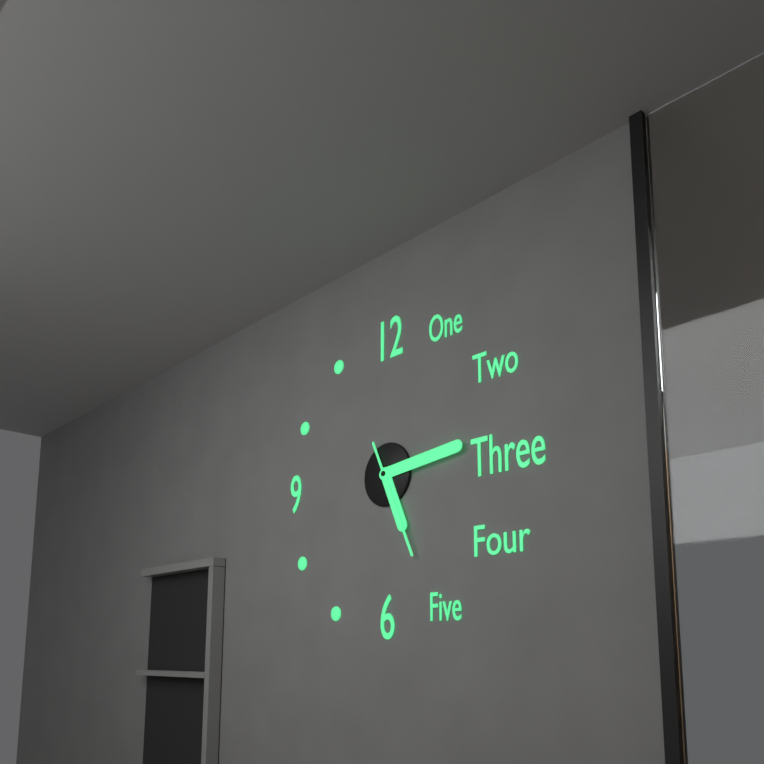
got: h=5 m=14 s=26
